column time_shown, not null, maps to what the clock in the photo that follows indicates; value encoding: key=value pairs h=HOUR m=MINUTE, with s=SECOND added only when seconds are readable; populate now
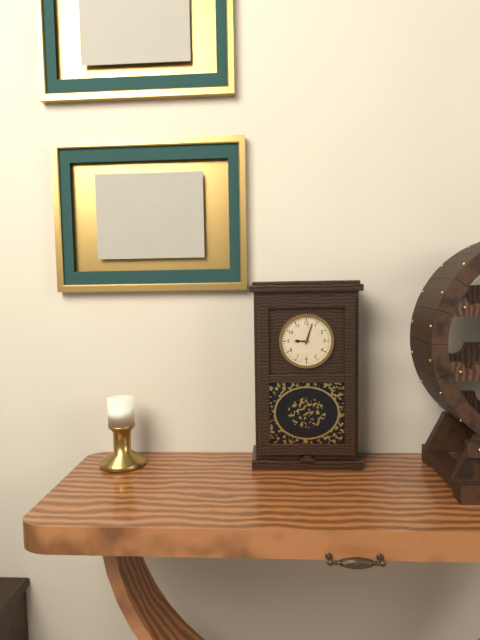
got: h=9 m=3
